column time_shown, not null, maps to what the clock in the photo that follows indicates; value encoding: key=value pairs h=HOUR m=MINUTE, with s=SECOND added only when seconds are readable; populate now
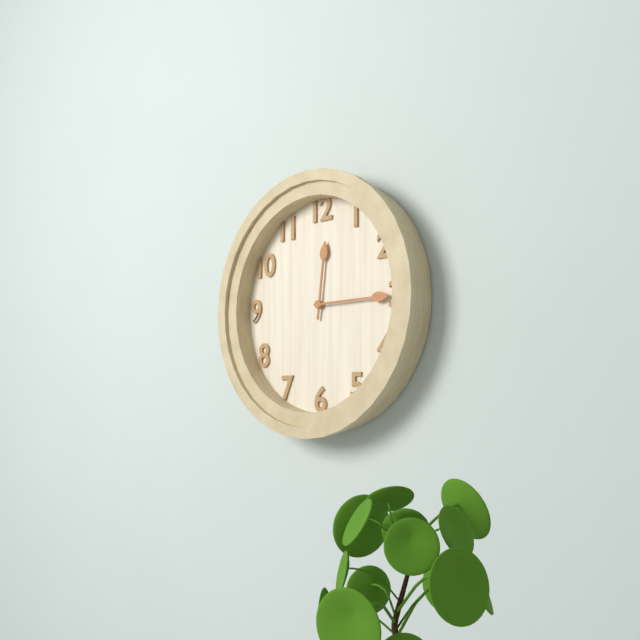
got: h=12 m=15
